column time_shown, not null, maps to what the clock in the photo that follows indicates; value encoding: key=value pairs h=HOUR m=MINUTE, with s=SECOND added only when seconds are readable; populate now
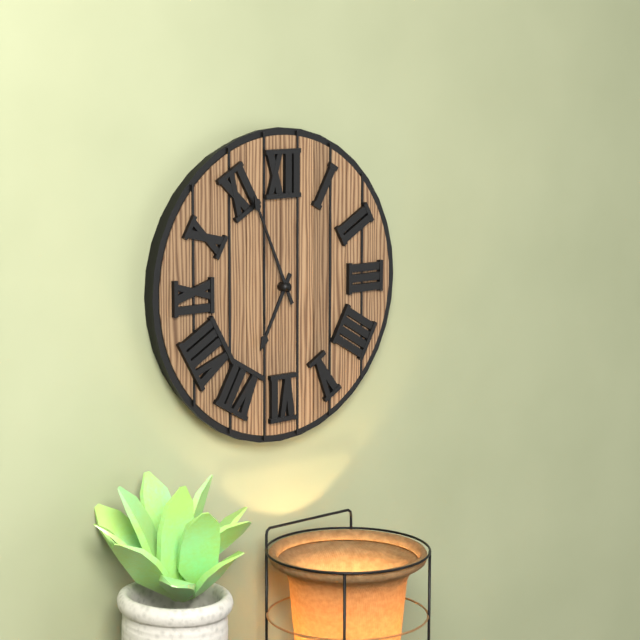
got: h=6 m=56
